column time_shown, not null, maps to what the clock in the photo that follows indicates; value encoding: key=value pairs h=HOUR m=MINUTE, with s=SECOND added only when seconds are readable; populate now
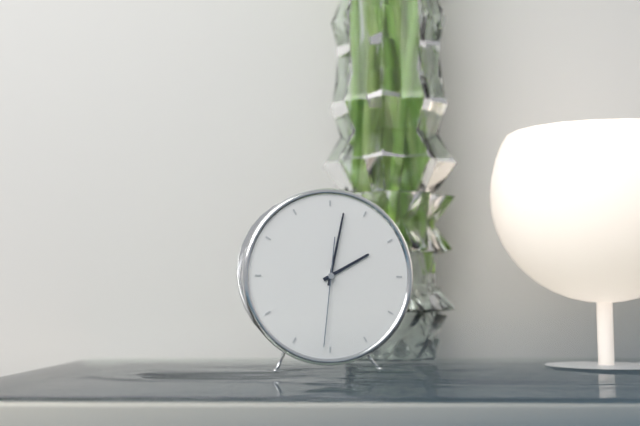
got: h=2 m=2 s=31
